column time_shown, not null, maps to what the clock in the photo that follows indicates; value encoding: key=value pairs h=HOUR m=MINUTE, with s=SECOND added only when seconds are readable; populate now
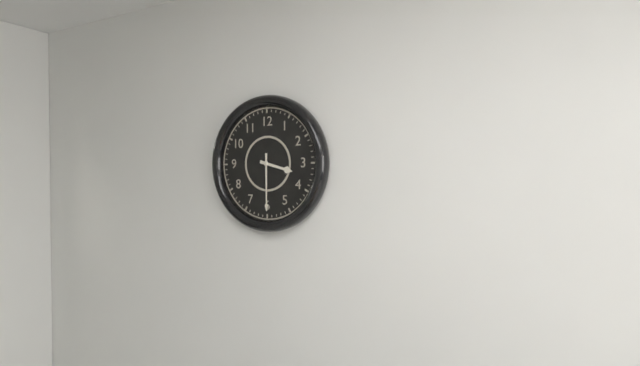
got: h=3 m=30
